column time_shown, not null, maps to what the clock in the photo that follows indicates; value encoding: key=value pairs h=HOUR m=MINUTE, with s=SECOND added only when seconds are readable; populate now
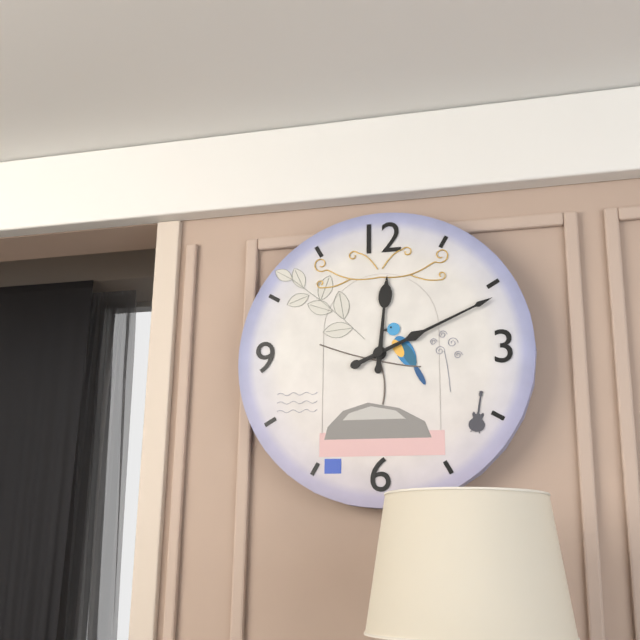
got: h=12 m=11
